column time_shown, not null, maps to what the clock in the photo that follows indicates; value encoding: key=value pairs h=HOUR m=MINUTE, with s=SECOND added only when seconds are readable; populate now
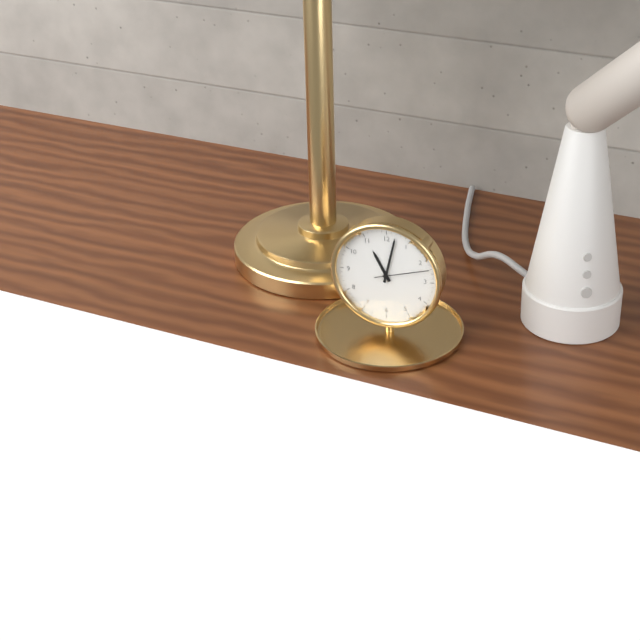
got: h=11 m=2 s=12
